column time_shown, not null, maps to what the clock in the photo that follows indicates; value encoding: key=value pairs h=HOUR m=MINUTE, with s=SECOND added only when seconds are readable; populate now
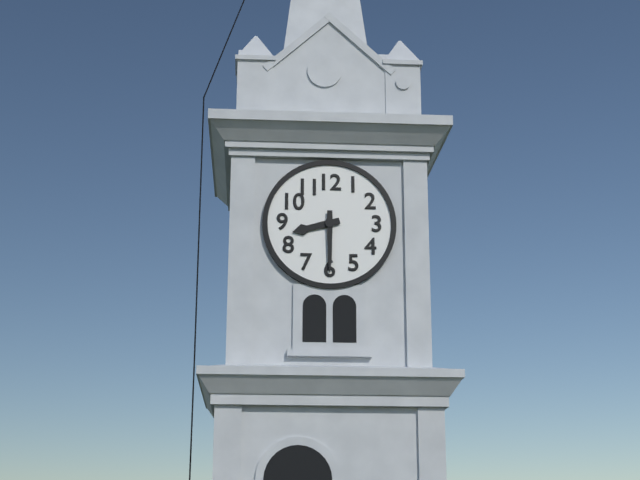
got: h=8 m=30
